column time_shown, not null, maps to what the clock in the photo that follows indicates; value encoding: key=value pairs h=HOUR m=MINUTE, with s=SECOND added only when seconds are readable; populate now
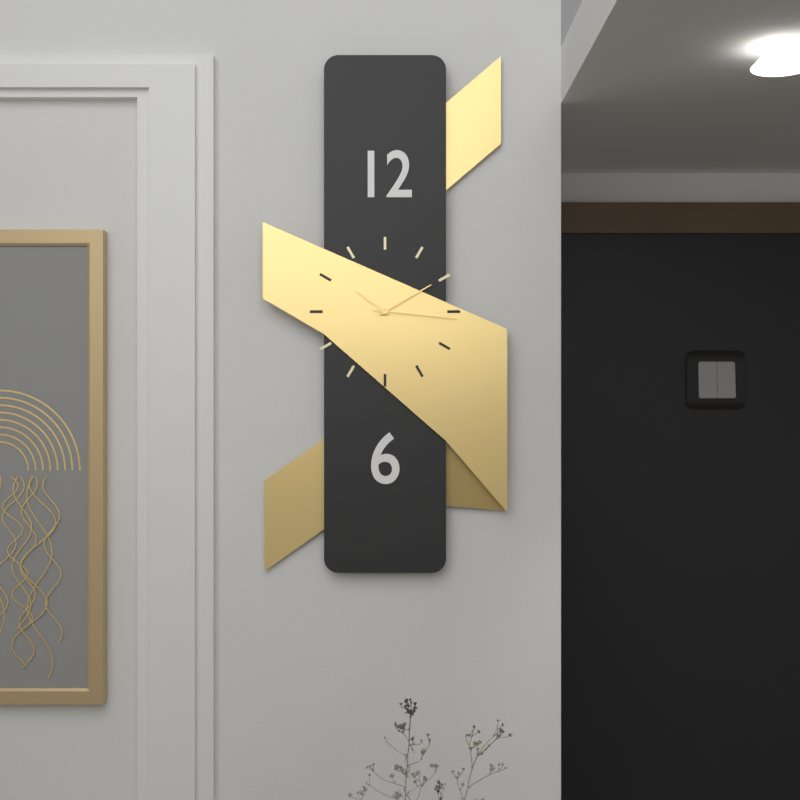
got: h=10 m=10 s=16
